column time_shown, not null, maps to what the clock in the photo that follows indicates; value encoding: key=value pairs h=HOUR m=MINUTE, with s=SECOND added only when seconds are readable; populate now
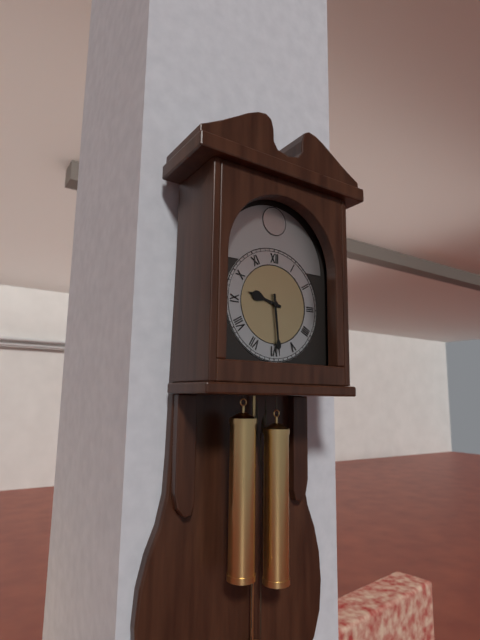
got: h=9 m=29
